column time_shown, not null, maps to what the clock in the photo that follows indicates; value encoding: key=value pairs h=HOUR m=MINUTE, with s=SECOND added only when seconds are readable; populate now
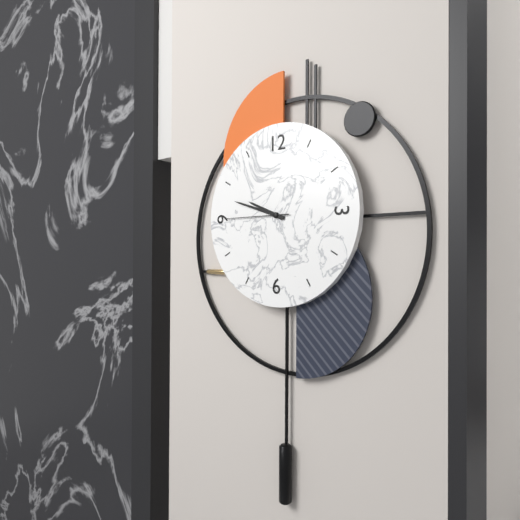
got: h=9 m=48 s=45
